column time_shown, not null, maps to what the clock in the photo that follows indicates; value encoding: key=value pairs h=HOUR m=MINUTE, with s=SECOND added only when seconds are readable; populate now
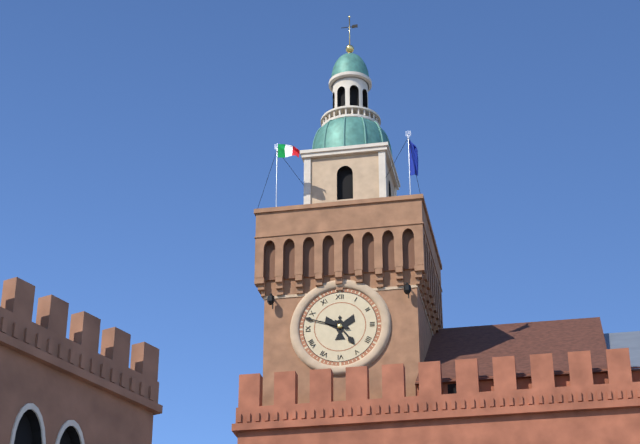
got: h=4 m=48
